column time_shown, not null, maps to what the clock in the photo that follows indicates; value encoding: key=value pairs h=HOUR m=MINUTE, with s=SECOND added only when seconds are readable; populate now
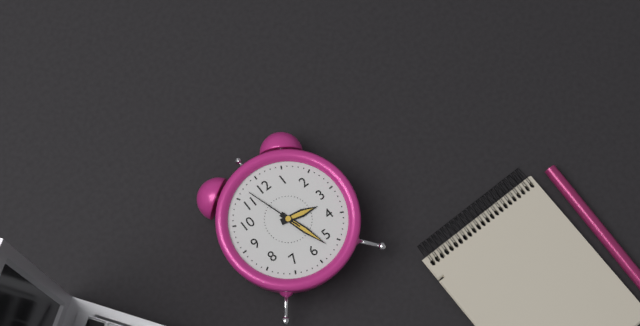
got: h=3 m=27 s=57
